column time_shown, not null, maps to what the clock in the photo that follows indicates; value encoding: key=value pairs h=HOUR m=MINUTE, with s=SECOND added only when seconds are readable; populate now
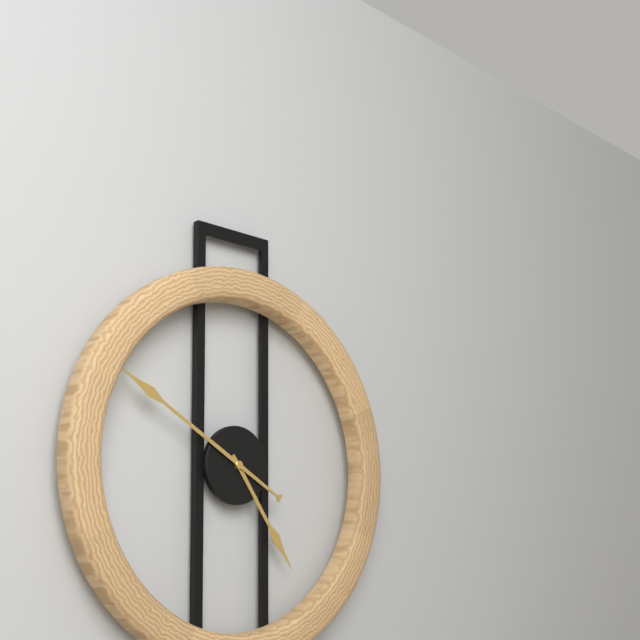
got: h=4 m=50
